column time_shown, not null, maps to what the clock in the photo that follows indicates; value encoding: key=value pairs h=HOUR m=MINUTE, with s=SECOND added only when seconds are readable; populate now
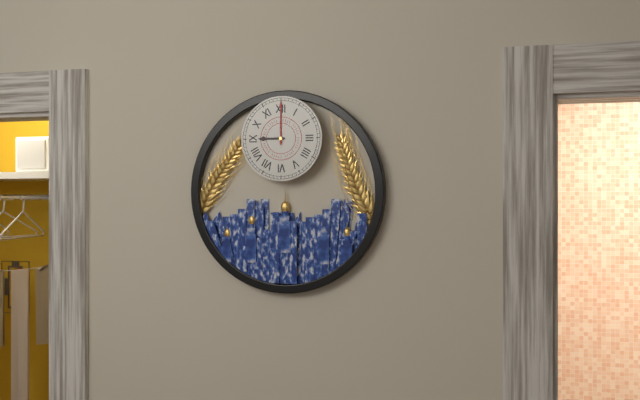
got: h=9 m=0
